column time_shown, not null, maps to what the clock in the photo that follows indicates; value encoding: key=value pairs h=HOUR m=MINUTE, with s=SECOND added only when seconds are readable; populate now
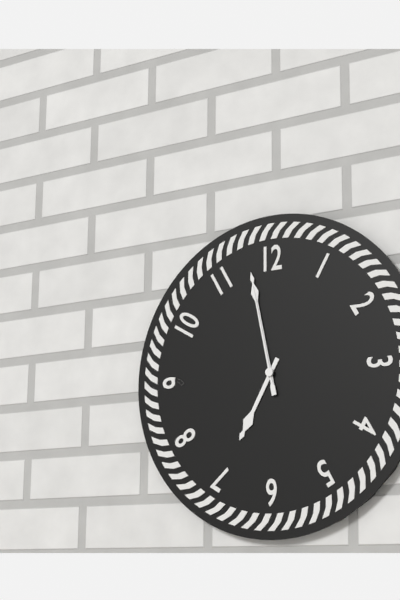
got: h=6 m=58 s=58
